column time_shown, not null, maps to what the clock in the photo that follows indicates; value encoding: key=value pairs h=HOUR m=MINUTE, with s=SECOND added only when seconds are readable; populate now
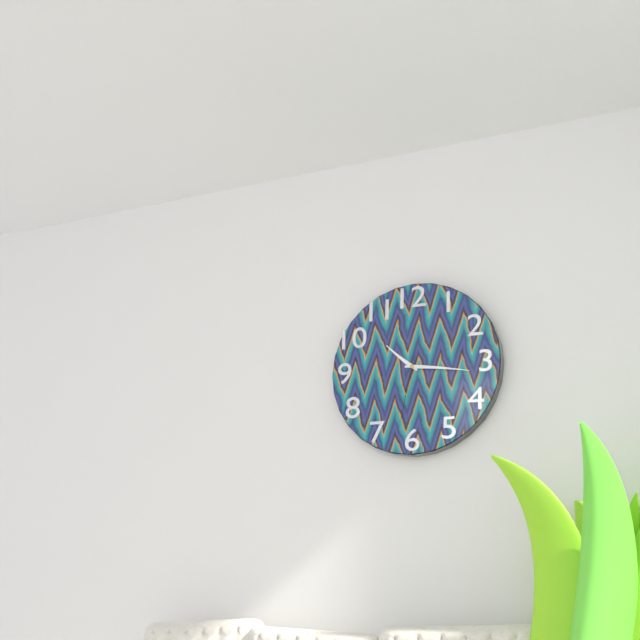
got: h=10 m=16 s=32
